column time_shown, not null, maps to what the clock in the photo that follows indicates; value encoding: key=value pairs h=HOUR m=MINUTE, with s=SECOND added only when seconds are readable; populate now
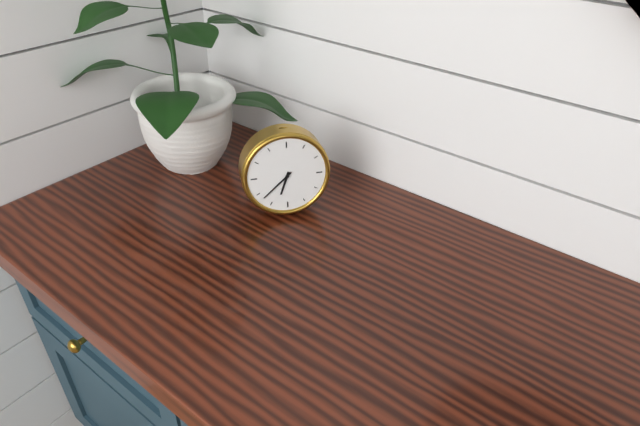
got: h=6 m=38
